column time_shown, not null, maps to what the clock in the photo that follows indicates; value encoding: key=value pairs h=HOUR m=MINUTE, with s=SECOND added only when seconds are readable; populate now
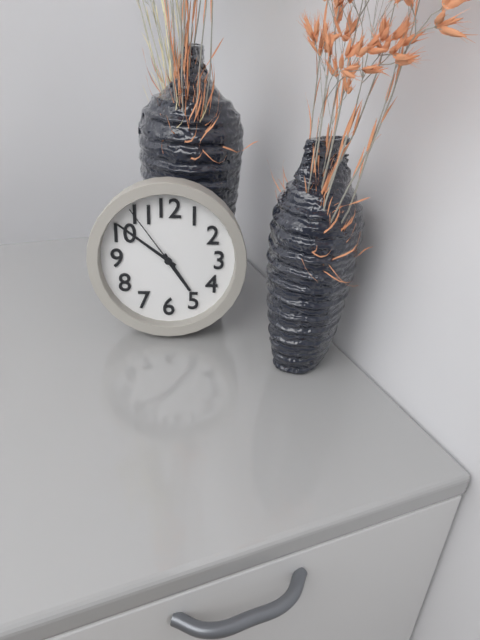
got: h=4 m=51 s=54
